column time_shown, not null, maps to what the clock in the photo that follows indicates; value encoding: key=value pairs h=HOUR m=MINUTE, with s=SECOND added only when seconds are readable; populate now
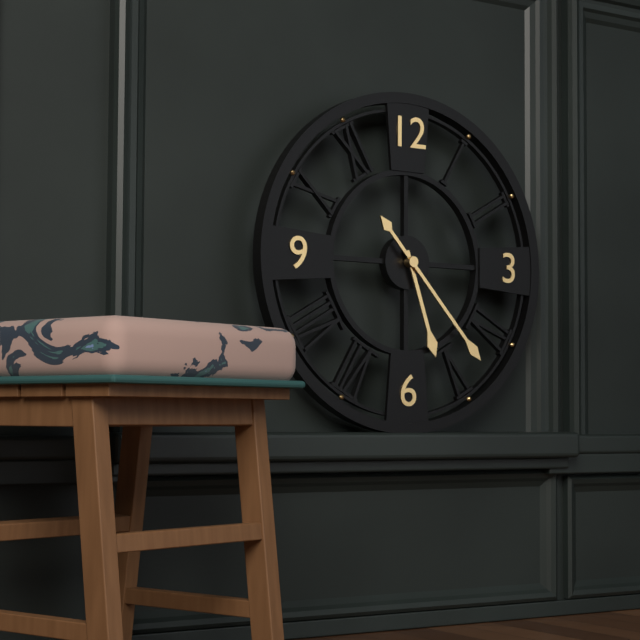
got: h=5 m=23
